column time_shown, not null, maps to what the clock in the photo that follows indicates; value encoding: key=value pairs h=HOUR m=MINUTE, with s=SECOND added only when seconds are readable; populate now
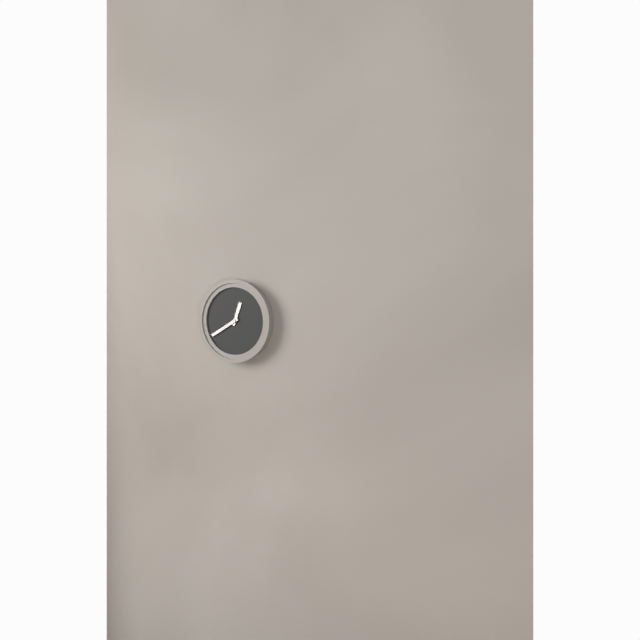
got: h=12 m=40
